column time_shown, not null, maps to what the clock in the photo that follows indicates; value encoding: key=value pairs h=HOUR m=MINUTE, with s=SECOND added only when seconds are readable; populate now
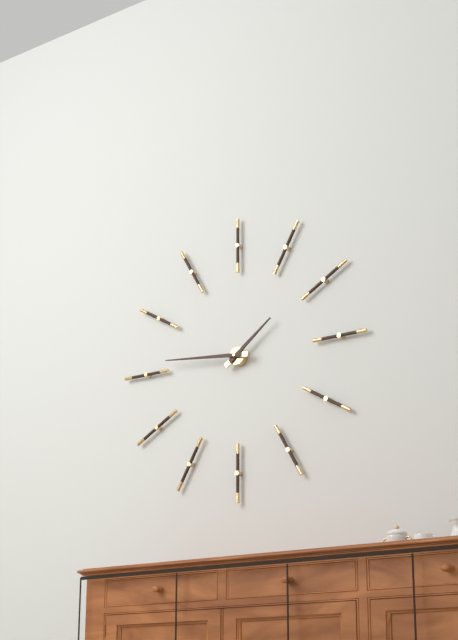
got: h=1 m=46
